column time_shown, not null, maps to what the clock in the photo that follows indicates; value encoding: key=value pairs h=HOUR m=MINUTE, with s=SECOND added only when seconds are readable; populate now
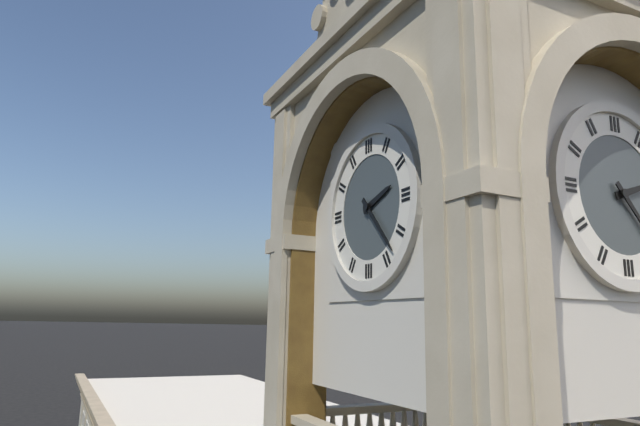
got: h=2 m=23
